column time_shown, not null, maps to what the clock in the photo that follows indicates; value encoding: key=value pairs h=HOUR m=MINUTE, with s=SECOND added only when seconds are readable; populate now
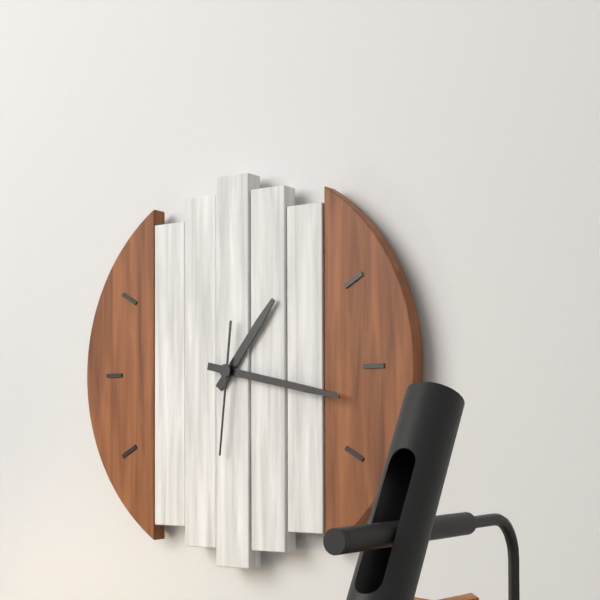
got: h=1 m=17 s=31
